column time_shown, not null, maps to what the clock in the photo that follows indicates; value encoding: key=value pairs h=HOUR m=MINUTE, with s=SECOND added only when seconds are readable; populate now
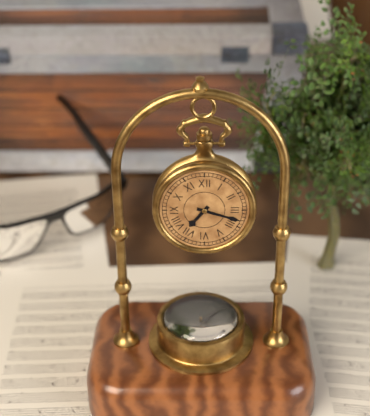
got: h=7 m=18
